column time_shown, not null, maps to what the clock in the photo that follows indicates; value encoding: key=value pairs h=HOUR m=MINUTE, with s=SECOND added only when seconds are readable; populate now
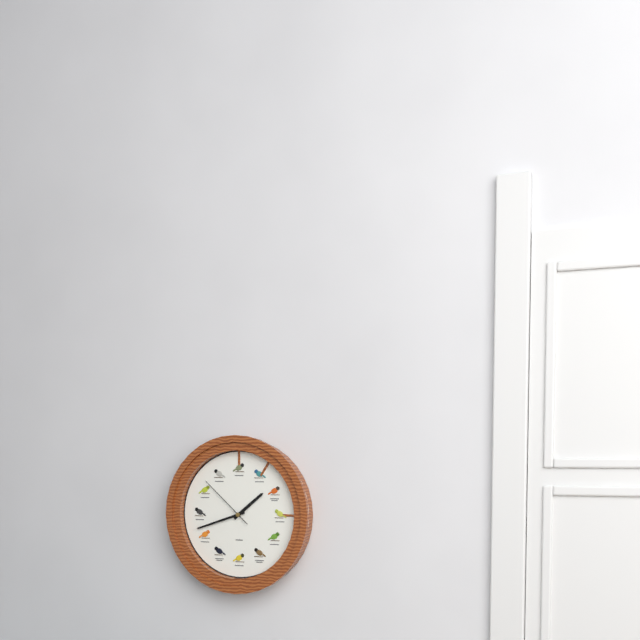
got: h=1 m=42 s=52
